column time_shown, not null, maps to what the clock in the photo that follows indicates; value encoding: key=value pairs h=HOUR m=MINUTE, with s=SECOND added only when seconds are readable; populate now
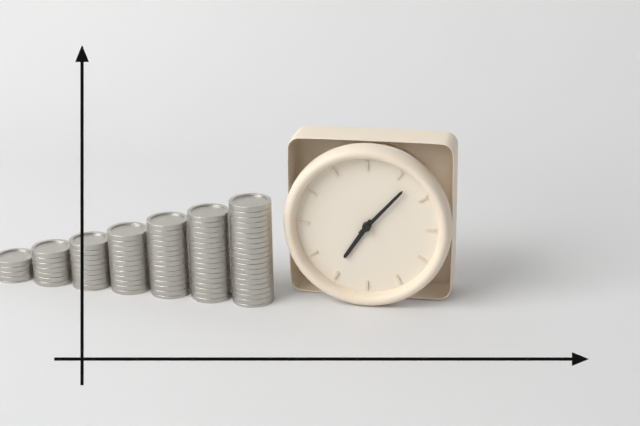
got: h=7 m=7
